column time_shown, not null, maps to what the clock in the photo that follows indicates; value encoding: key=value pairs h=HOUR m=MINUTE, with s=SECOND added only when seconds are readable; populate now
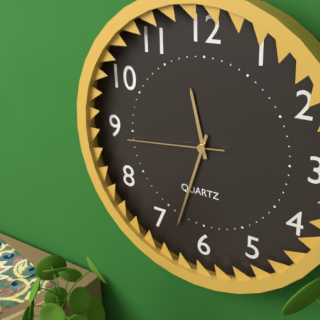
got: h=11 m=33 s=44
